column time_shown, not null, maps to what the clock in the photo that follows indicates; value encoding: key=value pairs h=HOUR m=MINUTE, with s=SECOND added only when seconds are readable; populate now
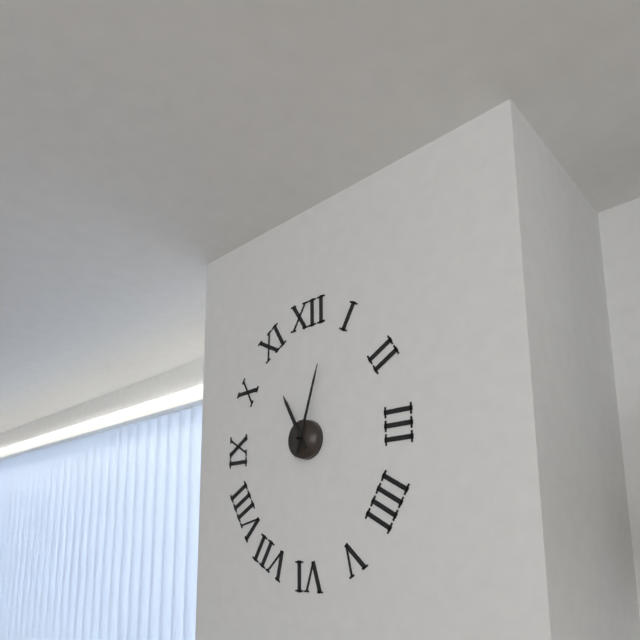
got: h=11 m=3
